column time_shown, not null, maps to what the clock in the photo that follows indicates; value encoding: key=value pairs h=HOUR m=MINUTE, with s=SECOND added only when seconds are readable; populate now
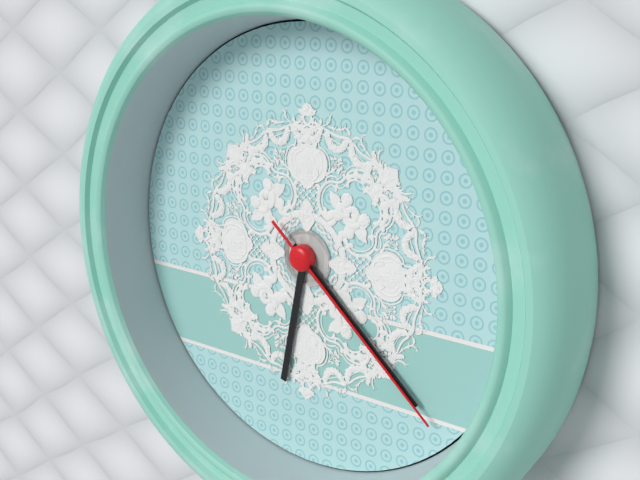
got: h=6 m=22 s=22
